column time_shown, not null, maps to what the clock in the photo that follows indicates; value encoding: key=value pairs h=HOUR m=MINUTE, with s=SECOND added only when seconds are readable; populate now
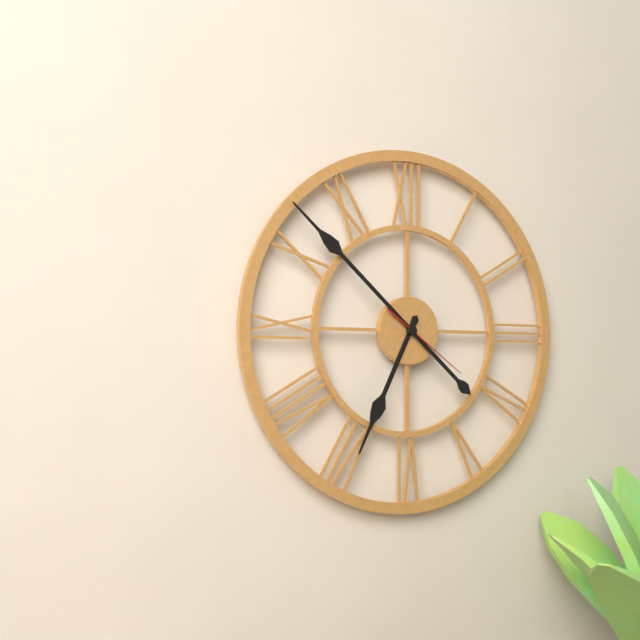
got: h=6 m=52 s=21
